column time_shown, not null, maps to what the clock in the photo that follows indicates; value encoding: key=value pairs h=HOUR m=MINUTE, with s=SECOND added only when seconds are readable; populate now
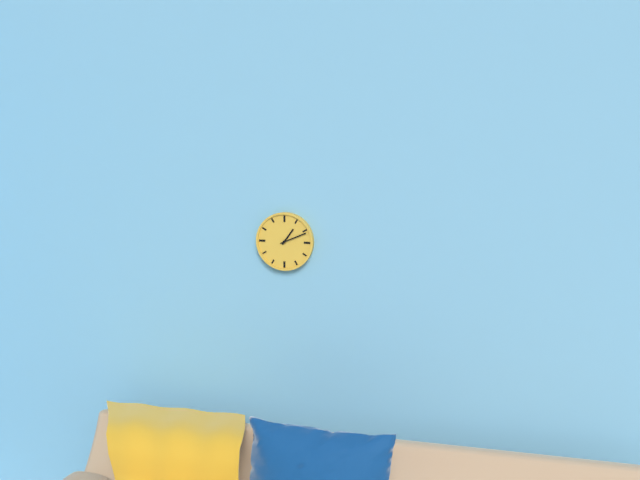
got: h=1 m=11
